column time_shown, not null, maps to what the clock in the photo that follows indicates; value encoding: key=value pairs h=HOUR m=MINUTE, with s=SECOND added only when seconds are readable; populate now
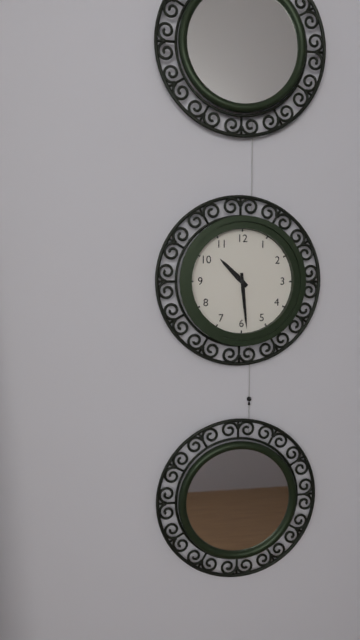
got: h=10 m=29
